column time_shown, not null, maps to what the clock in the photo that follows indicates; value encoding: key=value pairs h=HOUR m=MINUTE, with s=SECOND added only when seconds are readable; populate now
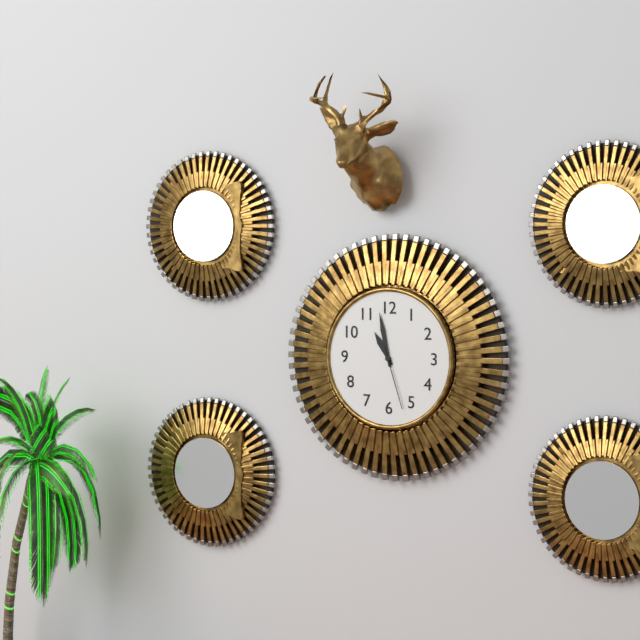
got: h=10 m=58 s=27
